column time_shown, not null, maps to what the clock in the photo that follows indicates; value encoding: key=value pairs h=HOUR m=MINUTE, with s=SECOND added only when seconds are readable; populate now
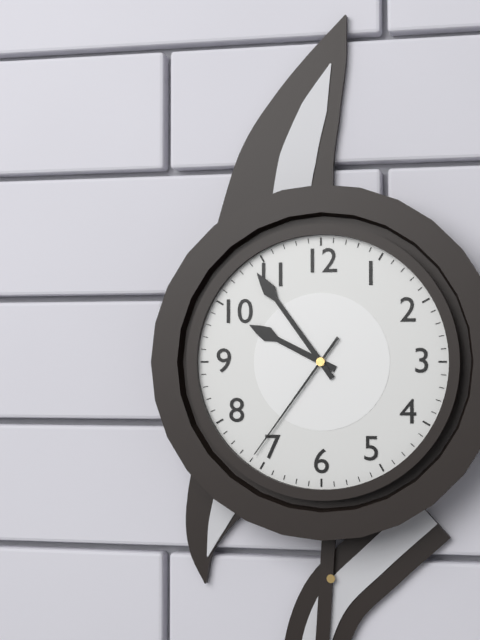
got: h=9 m=54 s=36
